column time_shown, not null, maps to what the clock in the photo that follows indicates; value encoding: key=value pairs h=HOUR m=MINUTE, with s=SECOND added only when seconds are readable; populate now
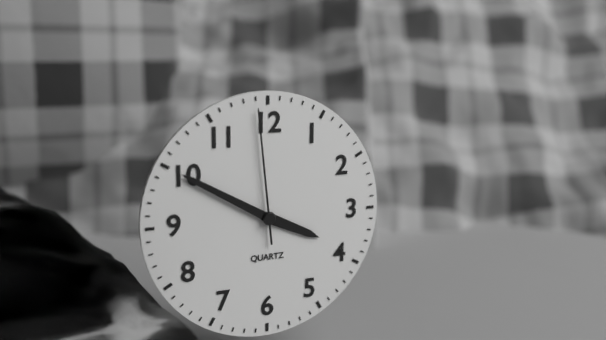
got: h=3 m=50 s=59
